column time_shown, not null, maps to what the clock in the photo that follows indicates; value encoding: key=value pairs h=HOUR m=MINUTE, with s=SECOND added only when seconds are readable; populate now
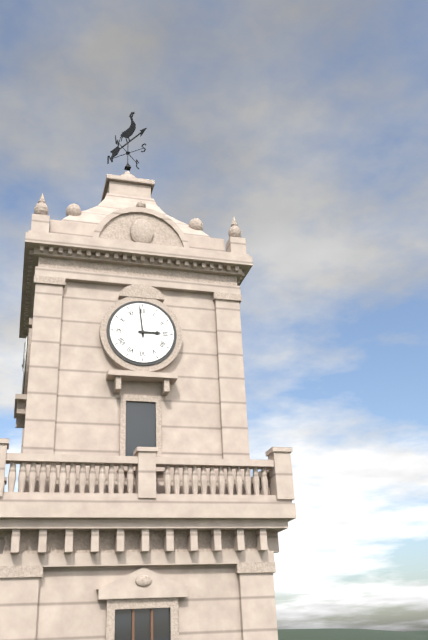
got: h=2 m=59
